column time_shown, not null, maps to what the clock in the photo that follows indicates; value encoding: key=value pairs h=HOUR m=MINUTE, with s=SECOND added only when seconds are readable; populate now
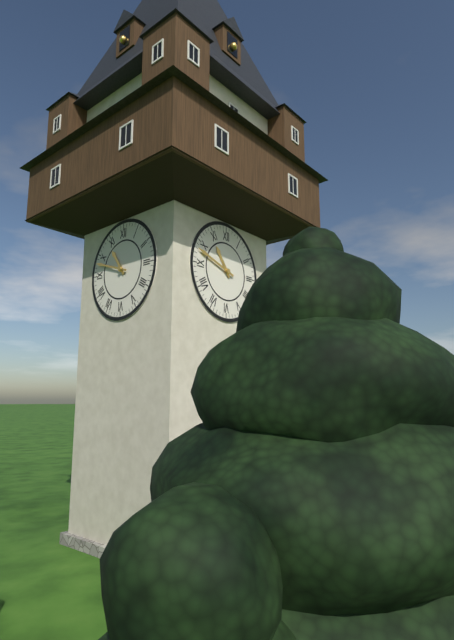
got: h=10 m=48
